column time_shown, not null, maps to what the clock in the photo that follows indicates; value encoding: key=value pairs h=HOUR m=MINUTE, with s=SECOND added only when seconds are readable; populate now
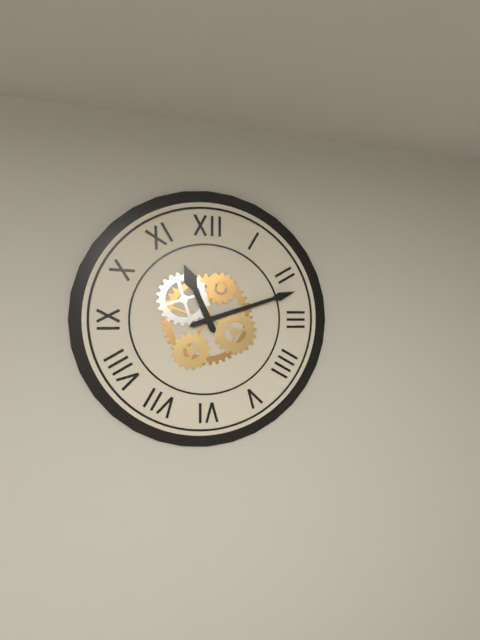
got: h=11 m=12
